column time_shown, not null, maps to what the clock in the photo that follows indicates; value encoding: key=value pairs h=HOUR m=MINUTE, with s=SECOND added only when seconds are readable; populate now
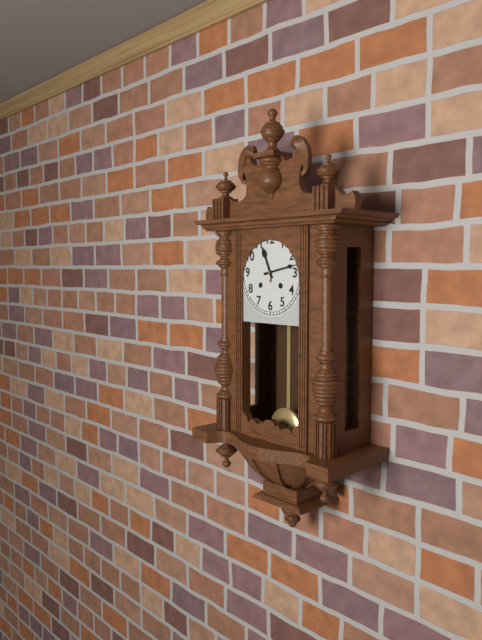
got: h=11 m=13
